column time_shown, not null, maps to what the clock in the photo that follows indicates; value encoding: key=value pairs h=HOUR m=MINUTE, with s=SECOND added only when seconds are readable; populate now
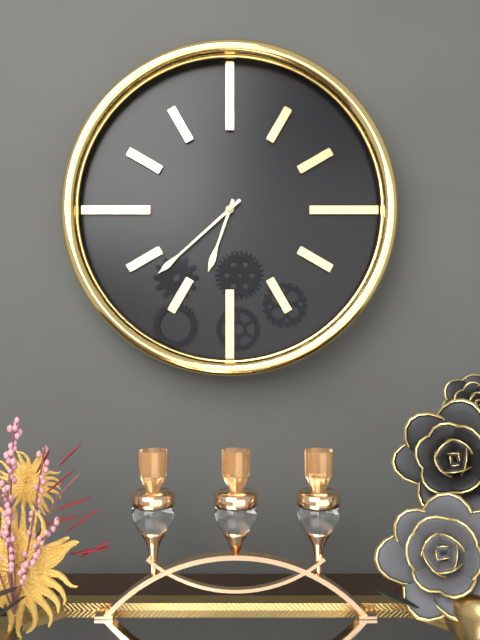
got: h=6 m=38
